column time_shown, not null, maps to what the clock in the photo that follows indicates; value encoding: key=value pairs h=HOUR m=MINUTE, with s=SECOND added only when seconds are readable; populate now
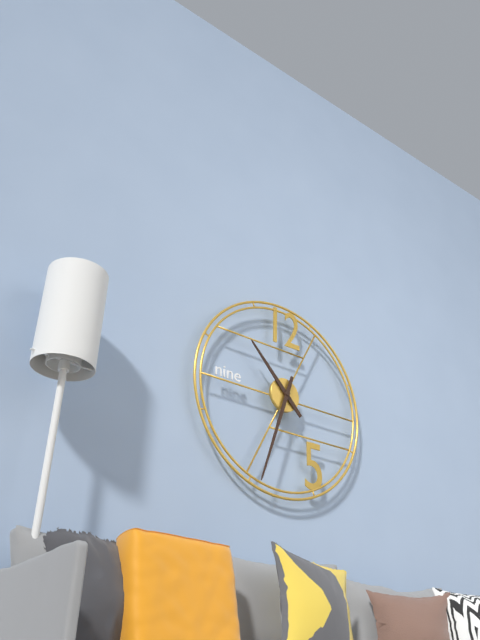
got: h=10 m=33
